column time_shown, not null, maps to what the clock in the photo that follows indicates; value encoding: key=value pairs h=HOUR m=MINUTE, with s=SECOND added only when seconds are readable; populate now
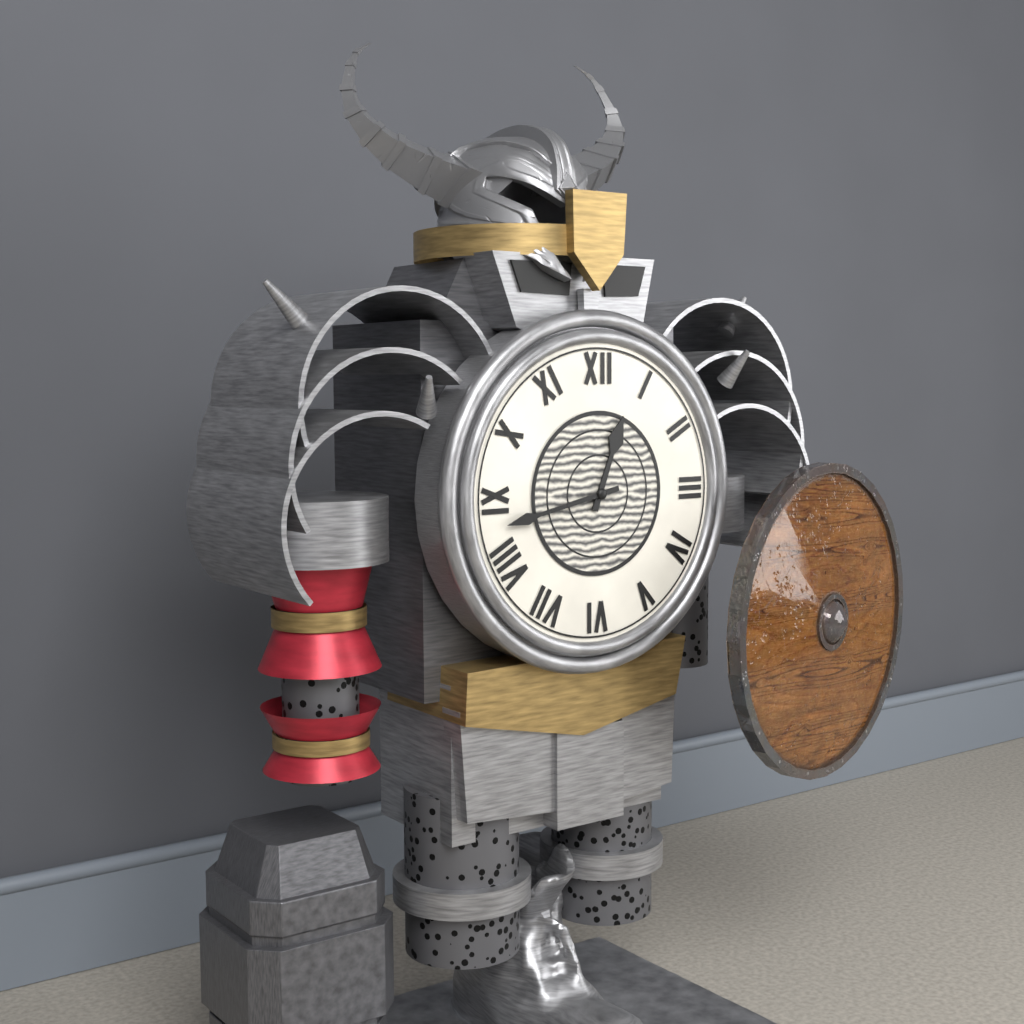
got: h=12 m=43
